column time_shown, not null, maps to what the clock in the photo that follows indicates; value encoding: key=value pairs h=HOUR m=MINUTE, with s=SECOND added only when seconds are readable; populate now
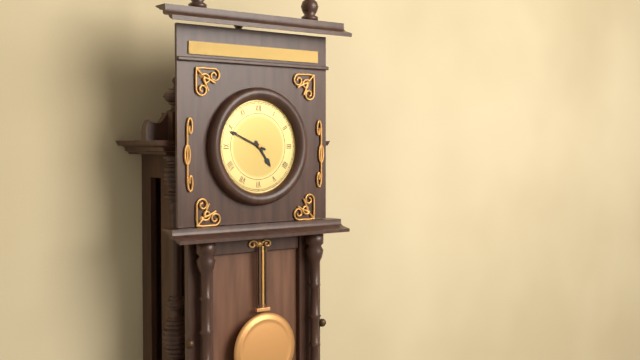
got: h=4 m=49
